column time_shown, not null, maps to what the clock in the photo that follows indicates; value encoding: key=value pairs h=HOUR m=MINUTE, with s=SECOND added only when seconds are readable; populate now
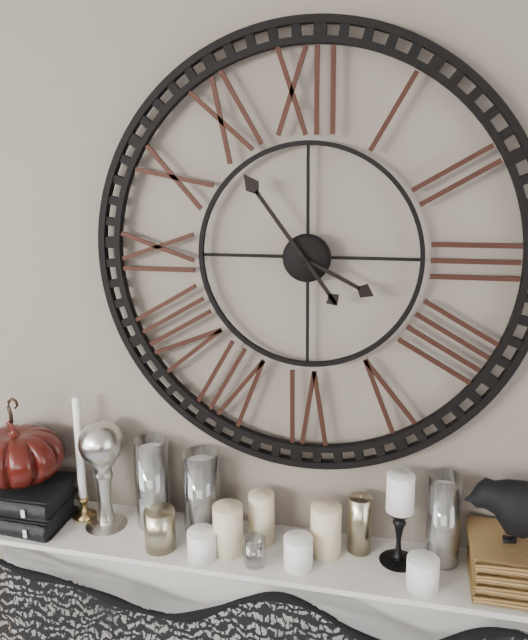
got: h=3 m=54
